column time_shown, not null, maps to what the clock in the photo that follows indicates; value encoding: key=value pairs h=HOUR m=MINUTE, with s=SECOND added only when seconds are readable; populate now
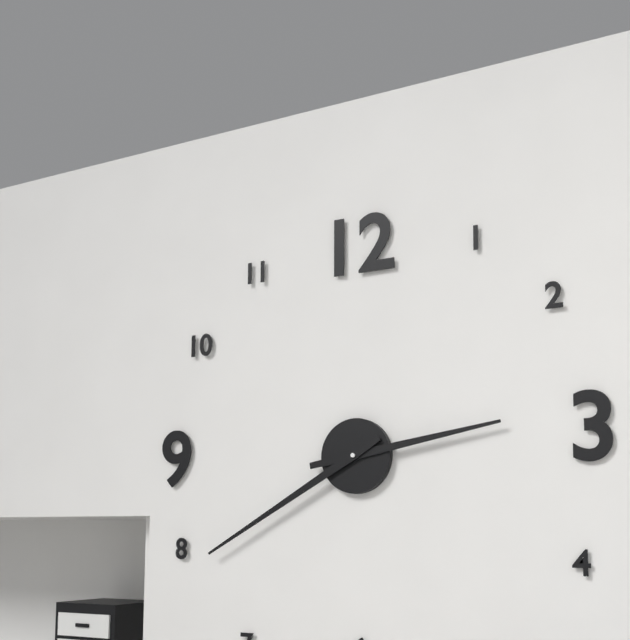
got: h=2 m=40
